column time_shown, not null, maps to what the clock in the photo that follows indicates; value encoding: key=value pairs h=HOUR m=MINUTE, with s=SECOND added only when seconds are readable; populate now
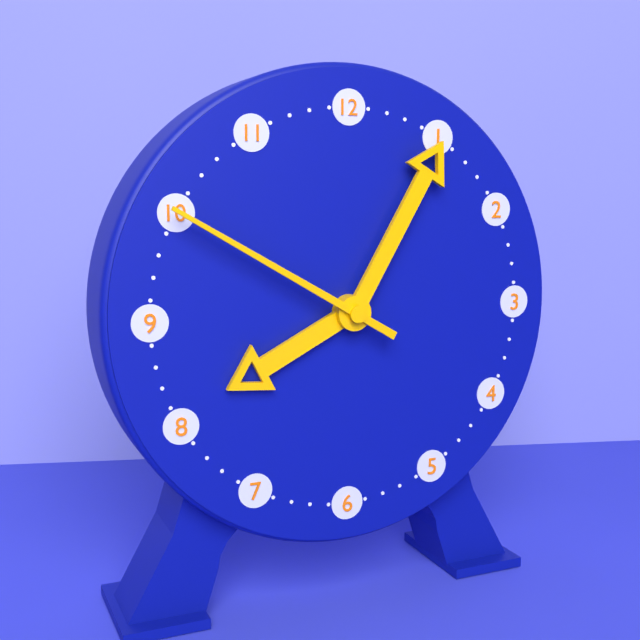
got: h=8 m=5 s=50
